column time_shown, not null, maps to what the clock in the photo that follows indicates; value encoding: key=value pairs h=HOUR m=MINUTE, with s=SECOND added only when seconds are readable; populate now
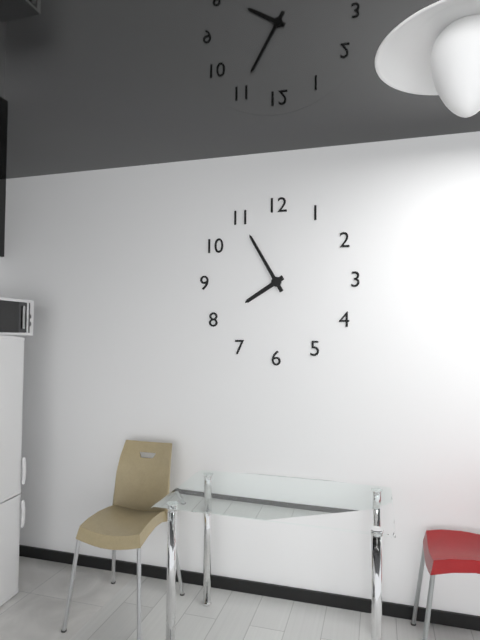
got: h=7 m=55
